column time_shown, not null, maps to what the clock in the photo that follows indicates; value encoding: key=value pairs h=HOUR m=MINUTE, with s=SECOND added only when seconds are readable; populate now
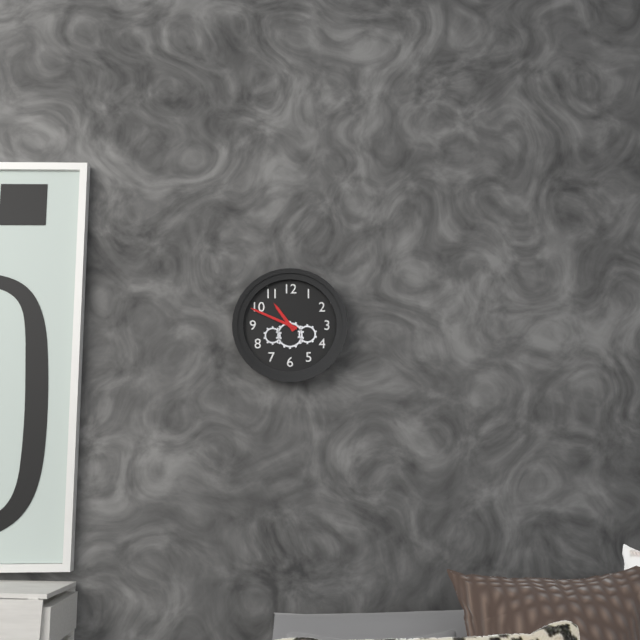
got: h=10 m=49
